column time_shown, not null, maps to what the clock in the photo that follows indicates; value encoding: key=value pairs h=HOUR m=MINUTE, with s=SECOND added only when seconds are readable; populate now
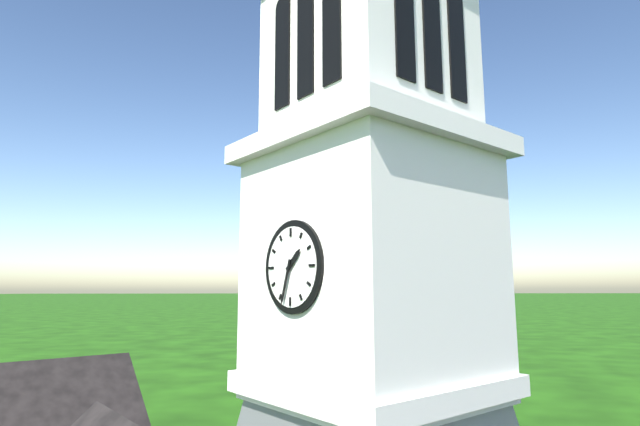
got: h=1 m=33
